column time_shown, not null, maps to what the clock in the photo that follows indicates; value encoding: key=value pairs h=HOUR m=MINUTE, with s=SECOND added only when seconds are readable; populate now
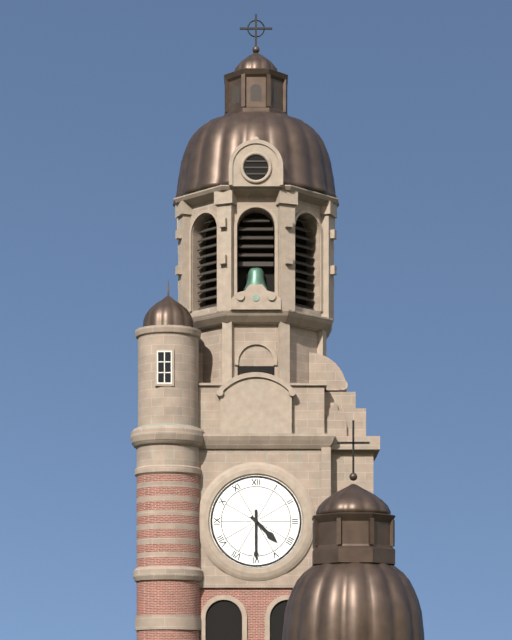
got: h=4 m=30
